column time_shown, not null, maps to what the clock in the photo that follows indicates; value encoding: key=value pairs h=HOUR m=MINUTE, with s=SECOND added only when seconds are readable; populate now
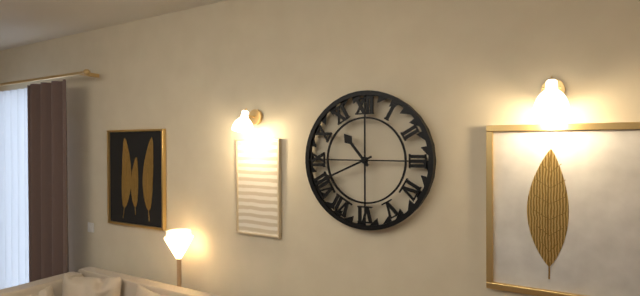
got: h=10 m=41
